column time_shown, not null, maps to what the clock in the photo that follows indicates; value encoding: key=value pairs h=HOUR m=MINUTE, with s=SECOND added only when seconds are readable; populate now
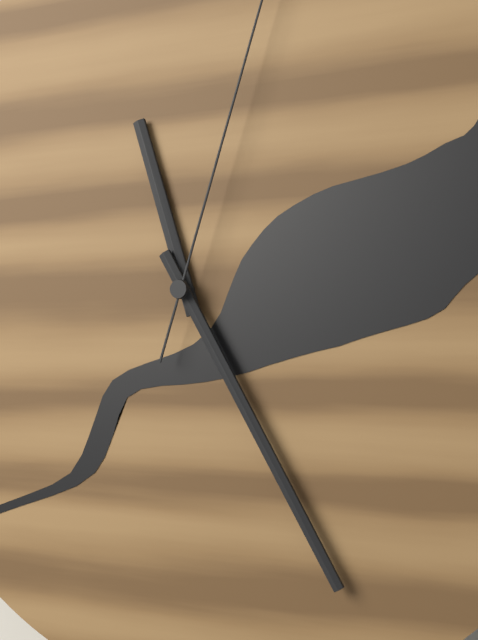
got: h=11 m=25
